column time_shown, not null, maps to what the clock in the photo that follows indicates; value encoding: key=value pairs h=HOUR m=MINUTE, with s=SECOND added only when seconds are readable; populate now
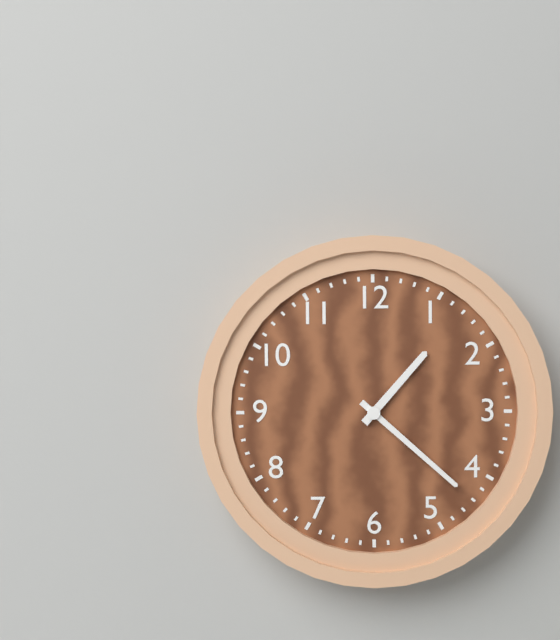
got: h=1 m=22
